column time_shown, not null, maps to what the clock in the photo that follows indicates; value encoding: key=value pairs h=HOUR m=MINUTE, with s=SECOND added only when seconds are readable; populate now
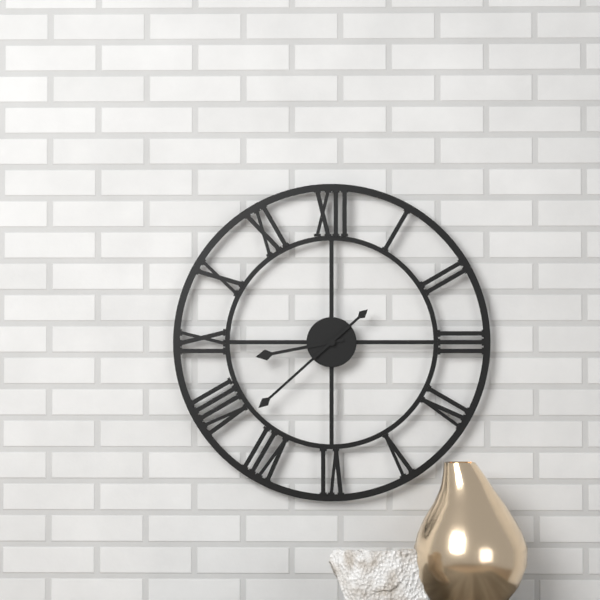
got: h=8 m=38
